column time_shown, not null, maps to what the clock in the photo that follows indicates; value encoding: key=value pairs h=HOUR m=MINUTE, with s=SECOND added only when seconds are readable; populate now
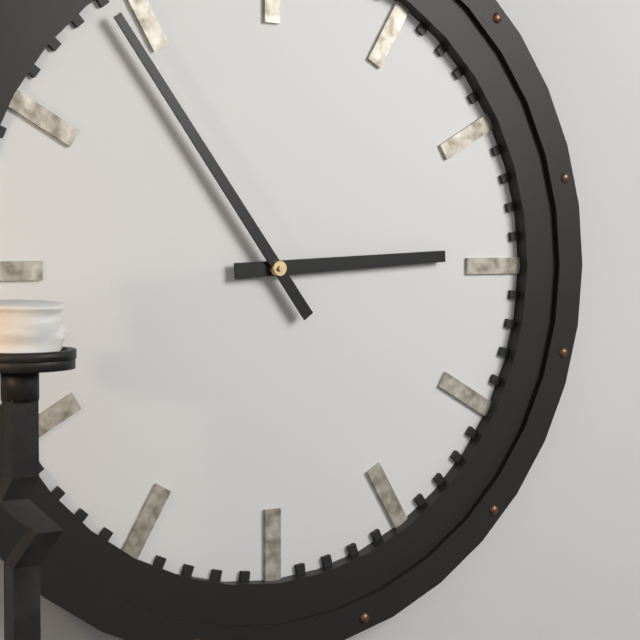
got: h=2 m=54
